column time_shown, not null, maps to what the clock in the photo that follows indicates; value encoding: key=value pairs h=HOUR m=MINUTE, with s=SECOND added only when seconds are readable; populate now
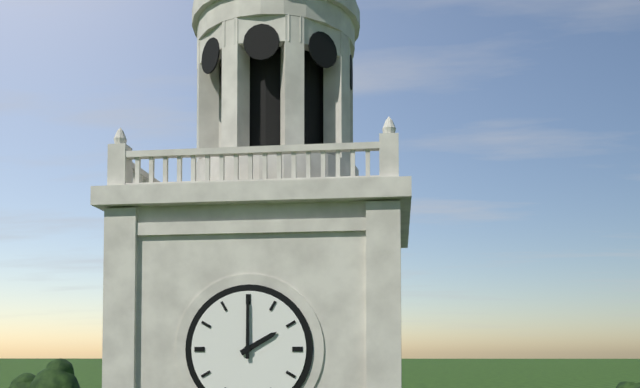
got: h=2 m=0
